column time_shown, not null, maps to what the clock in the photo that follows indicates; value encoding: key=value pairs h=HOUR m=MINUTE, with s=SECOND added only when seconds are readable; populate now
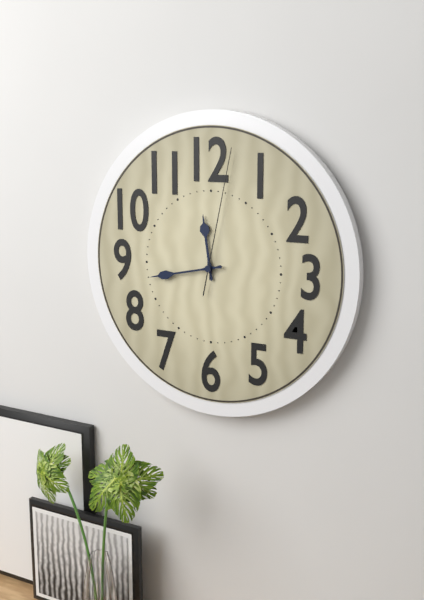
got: h=11 m=43 s=2
